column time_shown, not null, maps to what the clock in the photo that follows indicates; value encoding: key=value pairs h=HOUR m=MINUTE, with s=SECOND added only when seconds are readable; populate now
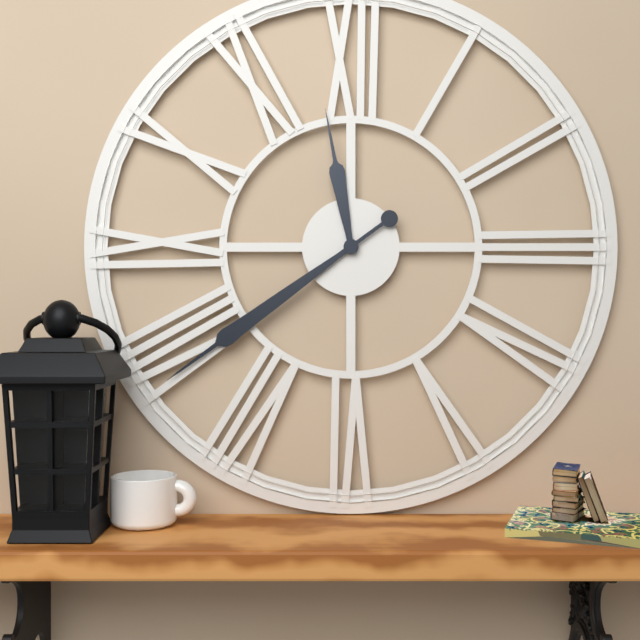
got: h=11 m=39
